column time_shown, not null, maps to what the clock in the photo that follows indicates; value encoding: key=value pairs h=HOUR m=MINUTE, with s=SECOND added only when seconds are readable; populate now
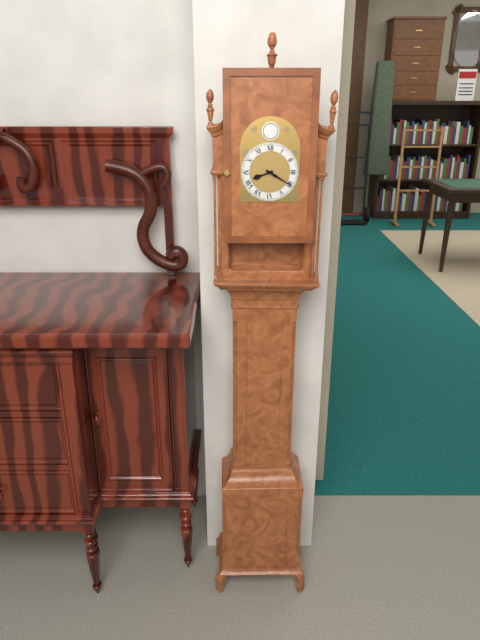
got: h=8 m=20
